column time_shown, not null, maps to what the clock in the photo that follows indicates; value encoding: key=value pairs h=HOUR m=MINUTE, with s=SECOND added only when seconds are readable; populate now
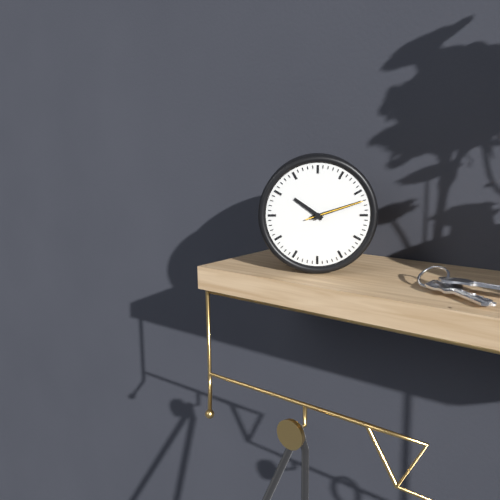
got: h=10 m=12 s=12
